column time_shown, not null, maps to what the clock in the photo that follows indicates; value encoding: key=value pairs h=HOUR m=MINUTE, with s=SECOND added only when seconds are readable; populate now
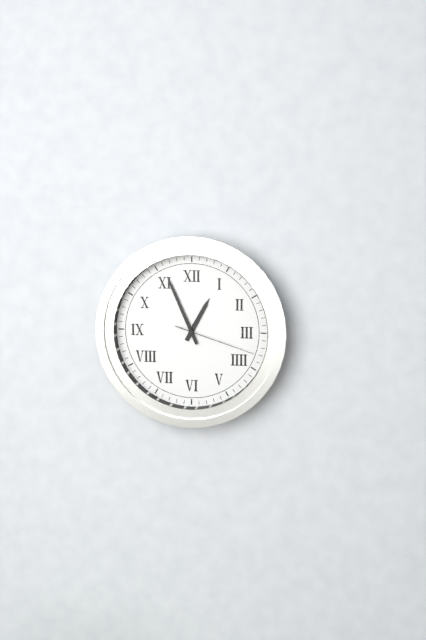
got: h=12 m=56 s=18
